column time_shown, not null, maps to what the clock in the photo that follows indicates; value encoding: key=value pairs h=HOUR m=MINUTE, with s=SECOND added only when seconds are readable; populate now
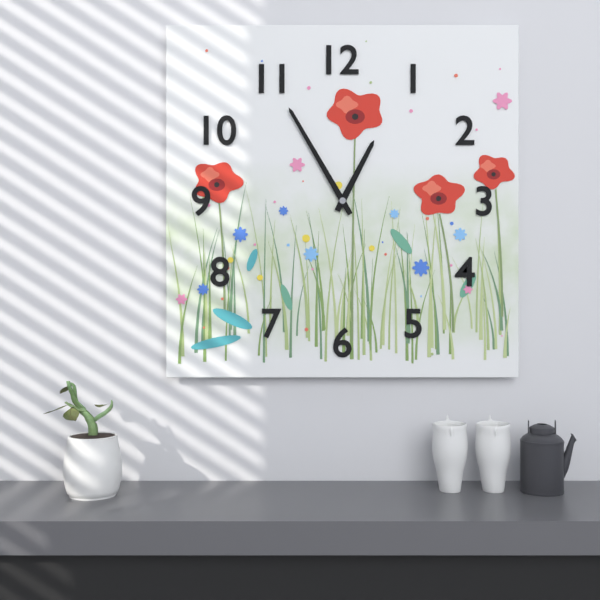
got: h=12 m=55
